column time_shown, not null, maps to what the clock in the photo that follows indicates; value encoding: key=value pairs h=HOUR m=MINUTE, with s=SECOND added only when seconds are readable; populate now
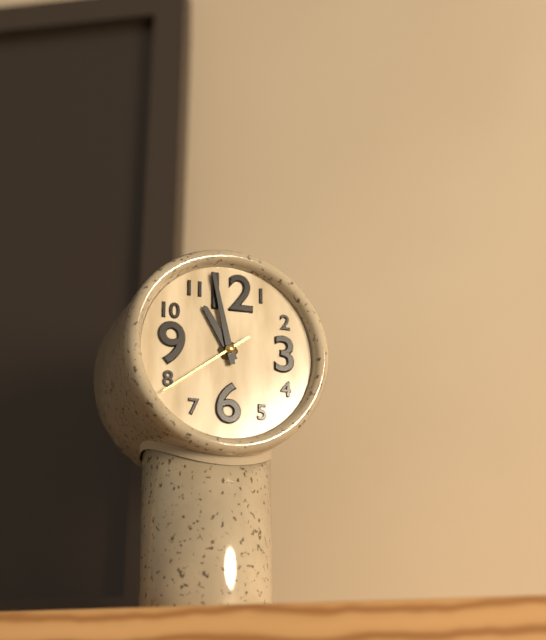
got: h=10 m=58 s=39
